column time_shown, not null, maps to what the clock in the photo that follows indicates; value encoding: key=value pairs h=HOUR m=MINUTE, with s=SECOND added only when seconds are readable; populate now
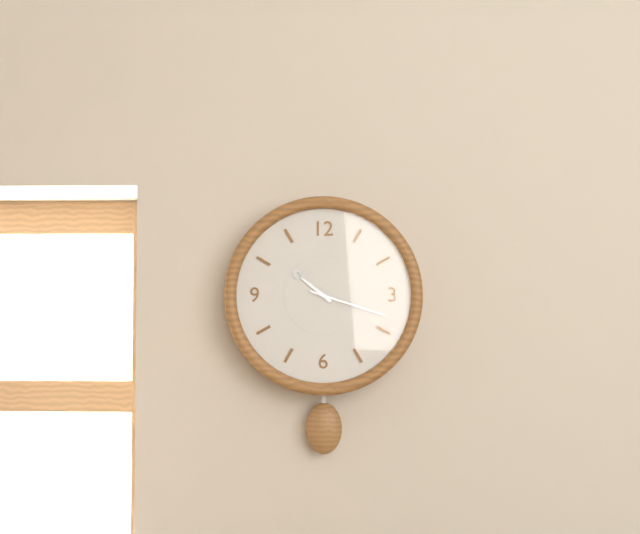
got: h=10 m=18
